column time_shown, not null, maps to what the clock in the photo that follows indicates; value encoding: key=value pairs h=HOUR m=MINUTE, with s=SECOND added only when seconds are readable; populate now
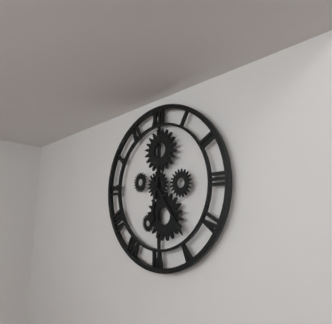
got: h=6 m=24
